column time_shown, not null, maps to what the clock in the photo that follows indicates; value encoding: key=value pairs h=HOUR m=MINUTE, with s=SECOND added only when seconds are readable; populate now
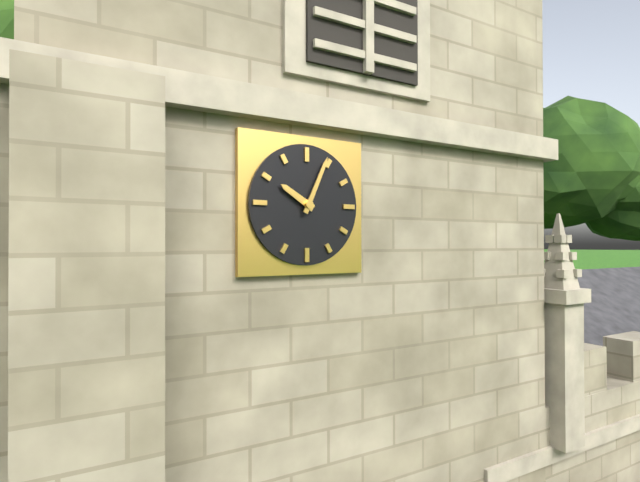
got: h=10 m=4
